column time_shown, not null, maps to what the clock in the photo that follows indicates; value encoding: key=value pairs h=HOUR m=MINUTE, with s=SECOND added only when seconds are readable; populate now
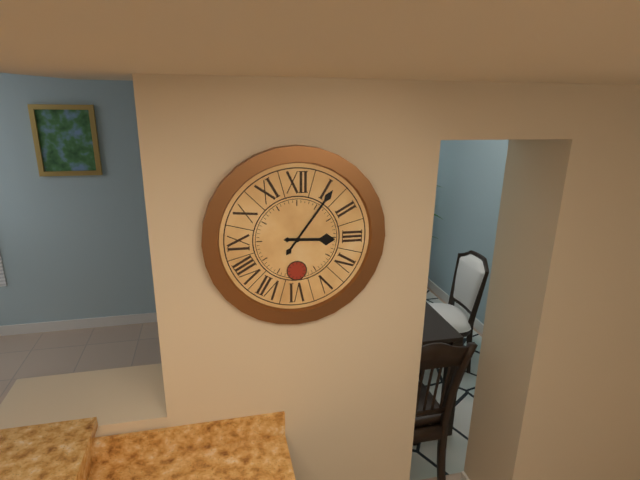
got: h=3 m=6
